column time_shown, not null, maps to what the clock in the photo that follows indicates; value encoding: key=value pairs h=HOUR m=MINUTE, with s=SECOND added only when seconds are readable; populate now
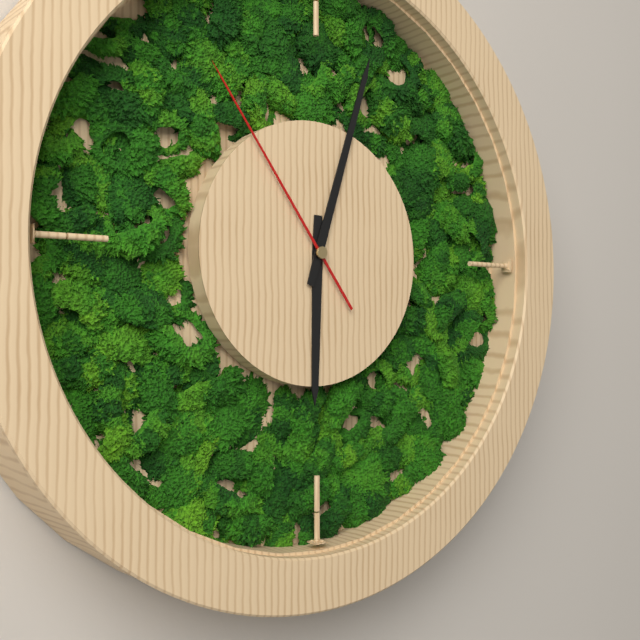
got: h=6 m=3 s=54
